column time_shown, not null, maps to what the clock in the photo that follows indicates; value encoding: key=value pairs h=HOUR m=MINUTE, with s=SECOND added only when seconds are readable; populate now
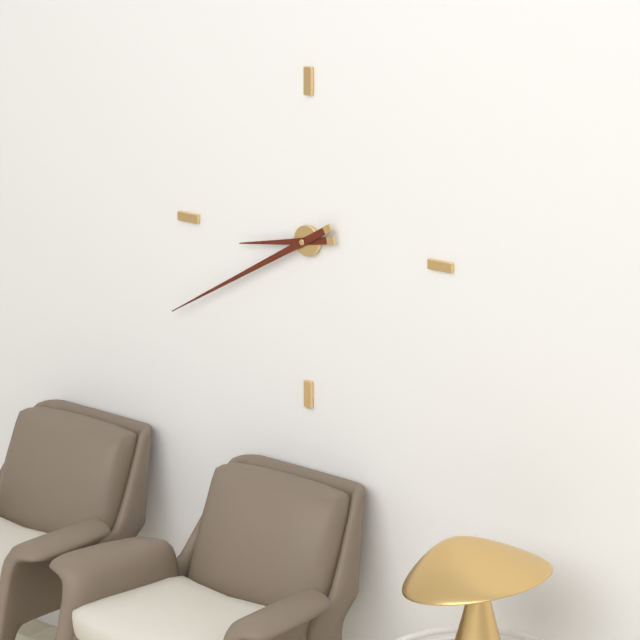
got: h=8 m=40
